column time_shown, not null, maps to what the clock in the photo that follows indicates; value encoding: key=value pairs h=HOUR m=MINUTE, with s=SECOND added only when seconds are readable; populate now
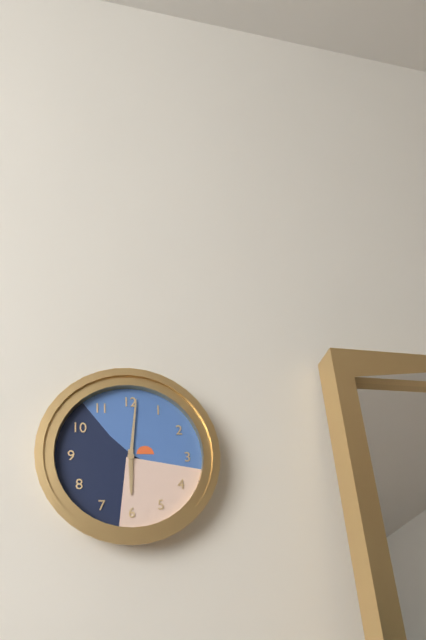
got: h=6 m=1
